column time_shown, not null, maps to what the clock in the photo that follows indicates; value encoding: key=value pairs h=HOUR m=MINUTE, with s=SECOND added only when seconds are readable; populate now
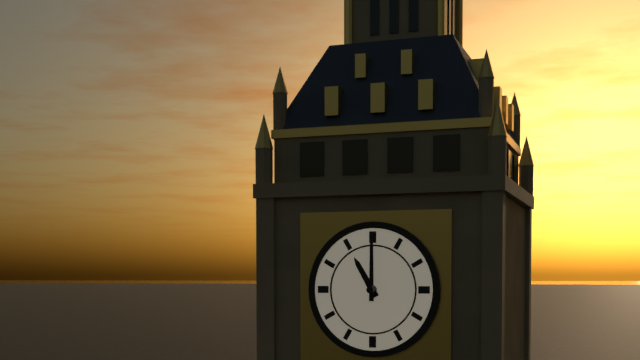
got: h=11 m=0
